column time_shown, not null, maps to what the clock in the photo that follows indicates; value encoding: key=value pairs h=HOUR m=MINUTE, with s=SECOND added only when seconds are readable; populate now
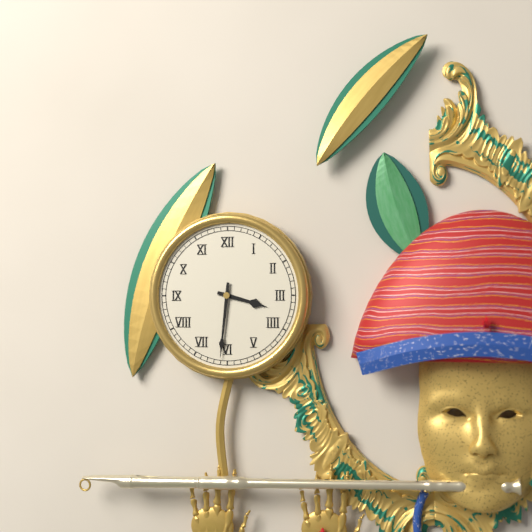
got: h=3 m=31
